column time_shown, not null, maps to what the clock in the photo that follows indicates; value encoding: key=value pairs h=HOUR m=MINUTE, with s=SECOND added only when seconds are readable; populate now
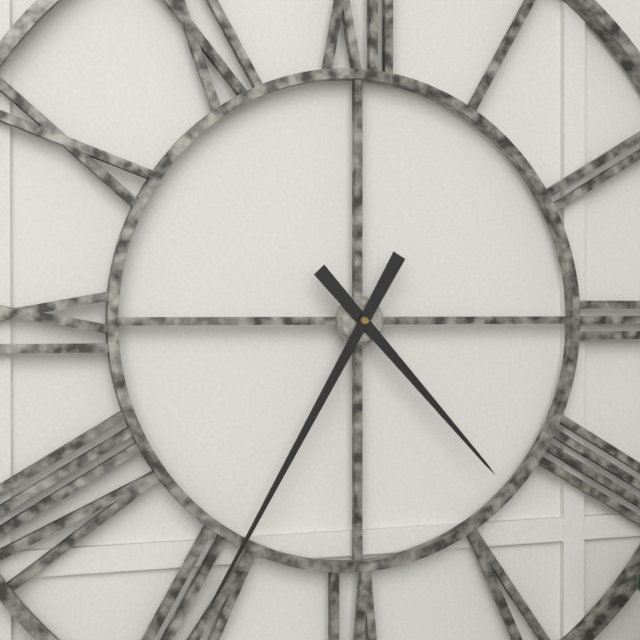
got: h=4 m=35
